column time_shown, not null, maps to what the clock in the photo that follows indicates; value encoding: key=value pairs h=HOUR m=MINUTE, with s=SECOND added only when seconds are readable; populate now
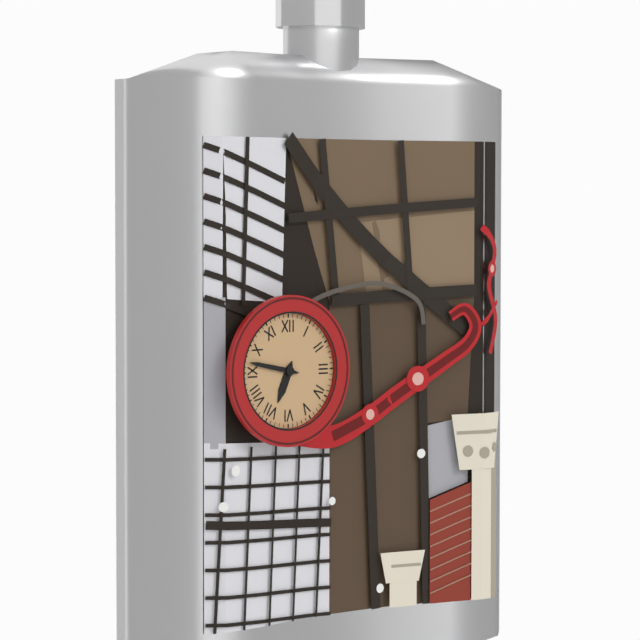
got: h=6 m=47
